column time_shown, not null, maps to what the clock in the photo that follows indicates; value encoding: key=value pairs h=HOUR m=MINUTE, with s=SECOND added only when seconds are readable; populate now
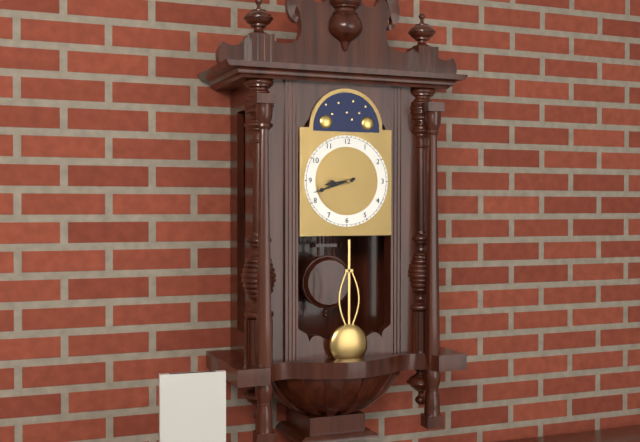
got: h=8 m=42
